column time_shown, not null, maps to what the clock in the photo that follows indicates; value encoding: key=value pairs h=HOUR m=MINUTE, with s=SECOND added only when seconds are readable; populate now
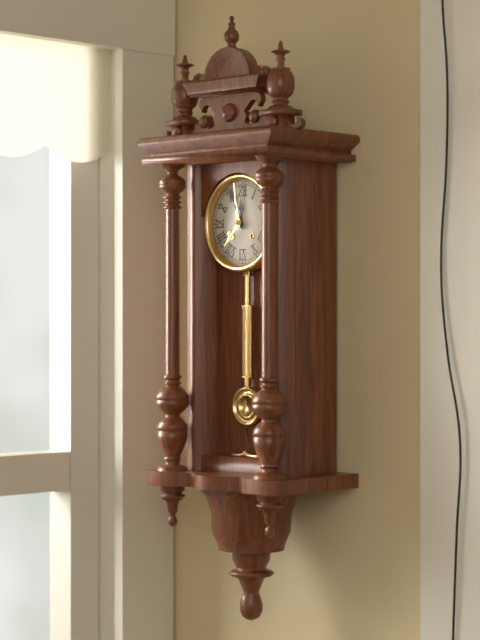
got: h=11 m=56
